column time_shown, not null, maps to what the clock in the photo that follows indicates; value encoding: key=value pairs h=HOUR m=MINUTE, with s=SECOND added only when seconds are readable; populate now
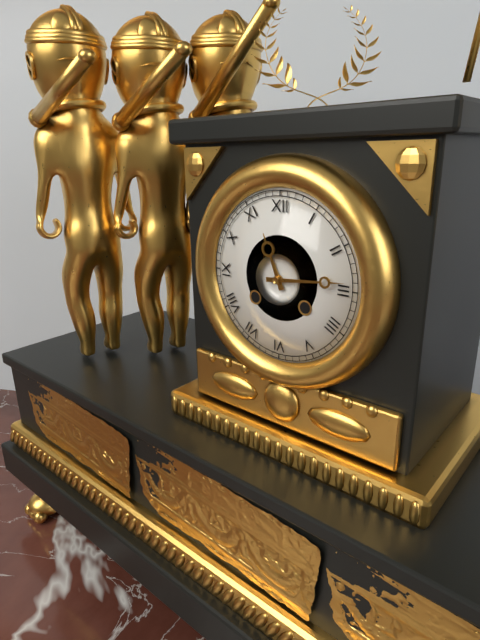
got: h=11 m=14
